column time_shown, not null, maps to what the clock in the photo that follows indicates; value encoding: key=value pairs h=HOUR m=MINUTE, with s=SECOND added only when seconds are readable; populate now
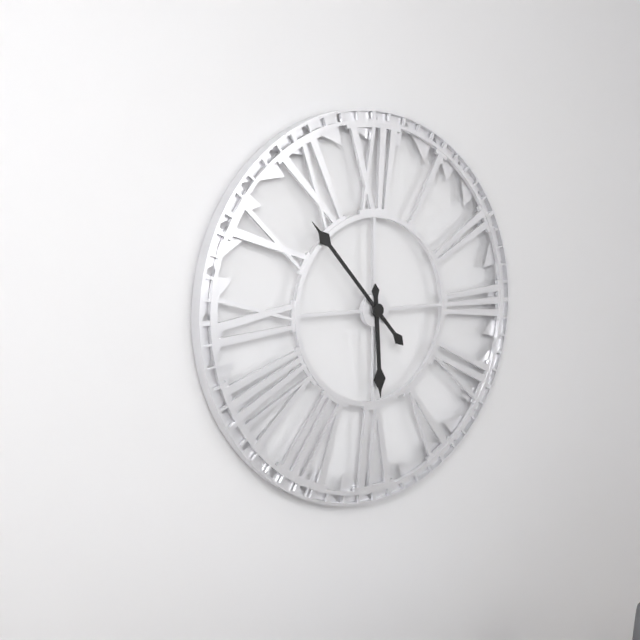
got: h=5 m=53
